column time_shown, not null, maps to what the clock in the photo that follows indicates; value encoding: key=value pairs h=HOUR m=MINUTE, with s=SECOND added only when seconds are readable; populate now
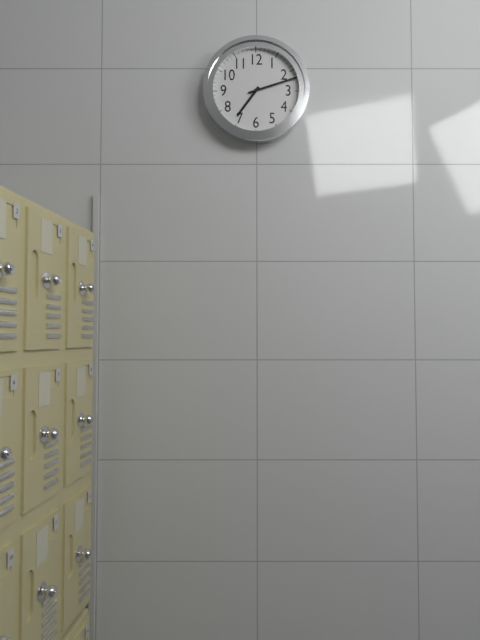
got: h=7 m=12
